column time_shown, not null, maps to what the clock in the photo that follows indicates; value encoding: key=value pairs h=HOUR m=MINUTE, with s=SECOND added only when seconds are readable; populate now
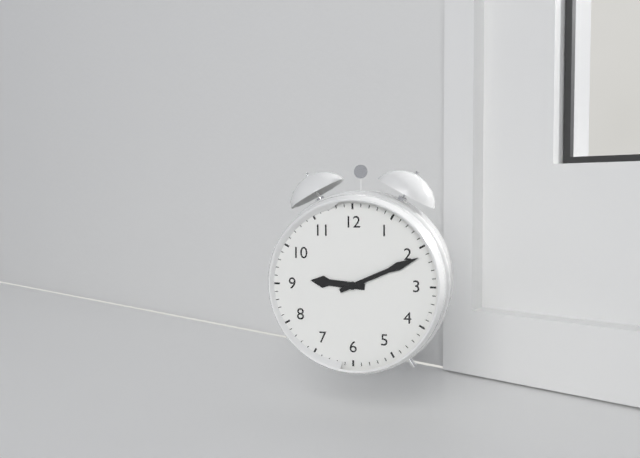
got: h=9 m=11
